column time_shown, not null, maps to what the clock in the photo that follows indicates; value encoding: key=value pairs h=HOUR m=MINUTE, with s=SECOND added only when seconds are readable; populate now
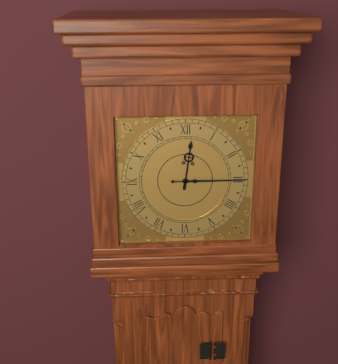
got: h=12 m=15
